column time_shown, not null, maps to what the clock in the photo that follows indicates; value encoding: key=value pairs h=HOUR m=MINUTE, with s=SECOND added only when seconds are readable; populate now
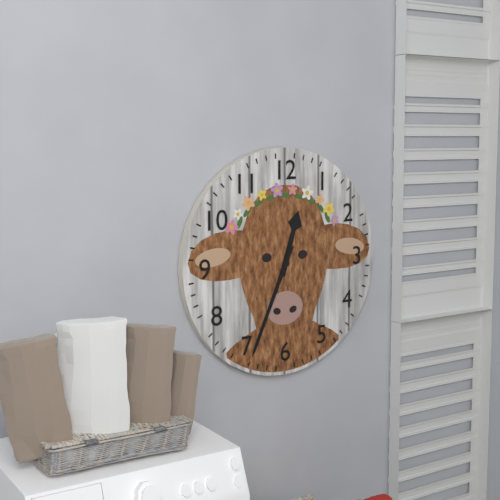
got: h=12 m=34
